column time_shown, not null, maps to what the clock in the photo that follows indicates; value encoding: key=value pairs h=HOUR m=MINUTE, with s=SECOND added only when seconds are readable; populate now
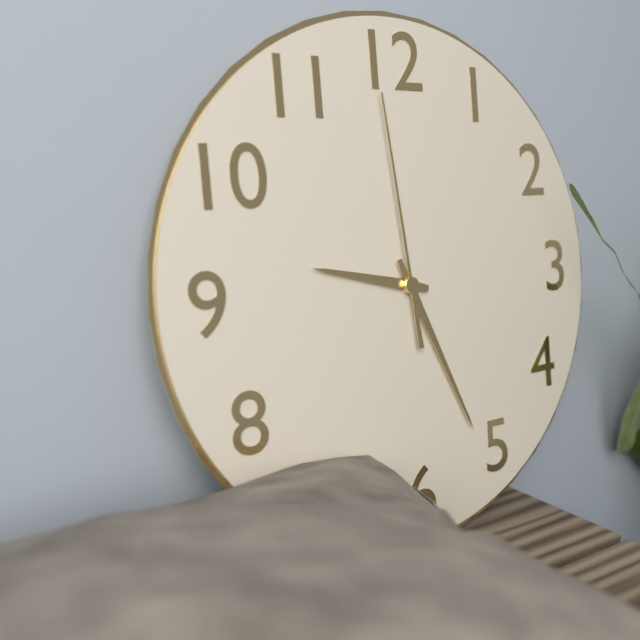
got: h=9 m=26 s=59
